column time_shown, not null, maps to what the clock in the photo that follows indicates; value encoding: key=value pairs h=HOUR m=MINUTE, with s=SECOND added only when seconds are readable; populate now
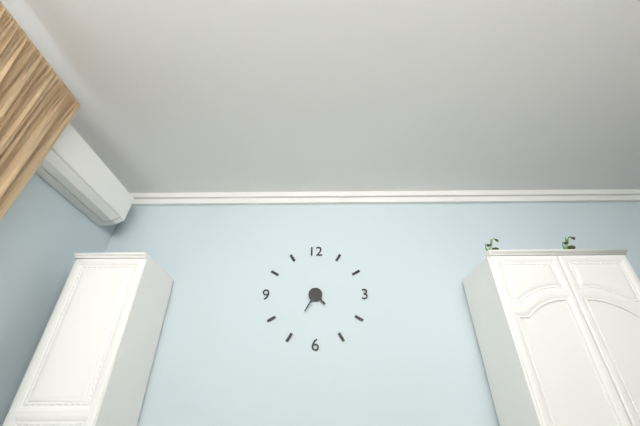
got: h=4 m=35
